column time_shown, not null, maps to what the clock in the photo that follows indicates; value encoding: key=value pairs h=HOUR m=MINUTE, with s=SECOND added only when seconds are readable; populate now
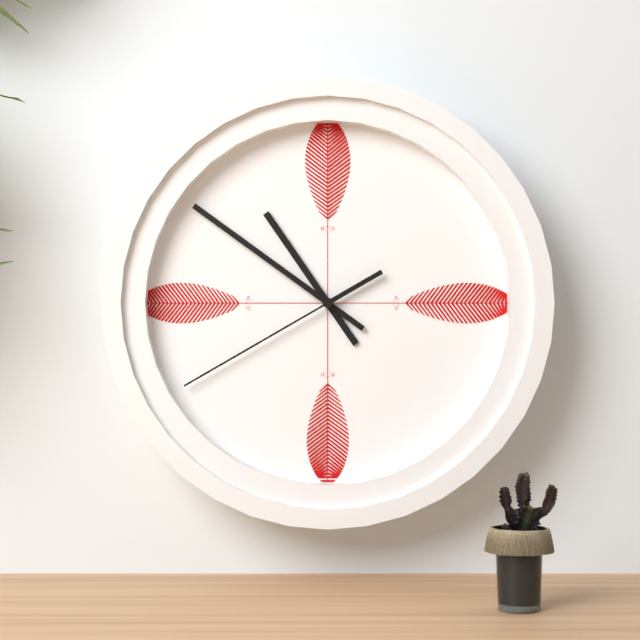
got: h=10 m=51 s=40
